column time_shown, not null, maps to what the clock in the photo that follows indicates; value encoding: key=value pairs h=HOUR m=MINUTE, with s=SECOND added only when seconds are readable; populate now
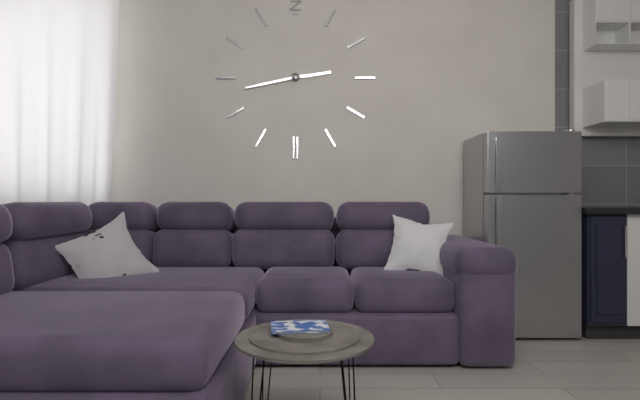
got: h=2 m=43
